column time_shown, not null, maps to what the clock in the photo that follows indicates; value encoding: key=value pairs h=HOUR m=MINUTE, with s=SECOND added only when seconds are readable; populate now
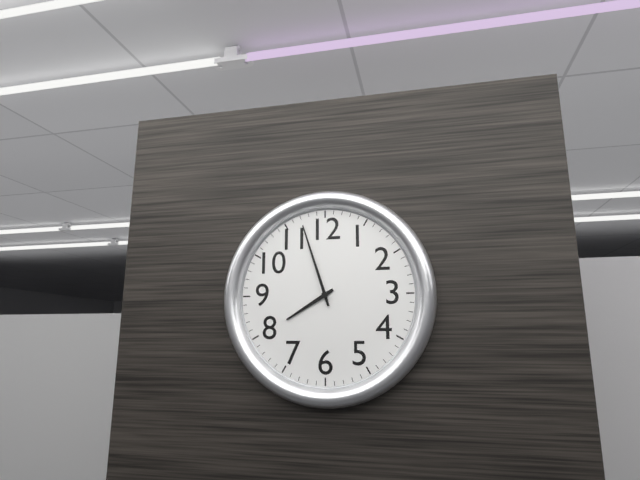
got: h=7 m=57
